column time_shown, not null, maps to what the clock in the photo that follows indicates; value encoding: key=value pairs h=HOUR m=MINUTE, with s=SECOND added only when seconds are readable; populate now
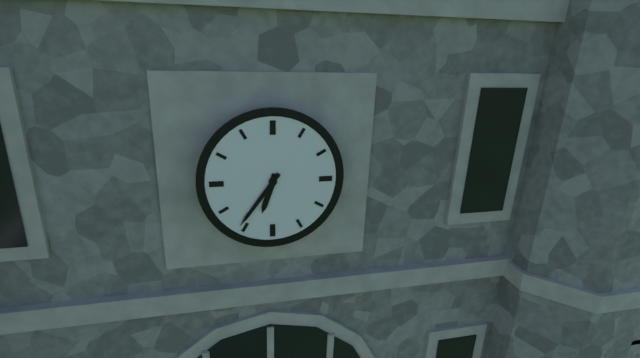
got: h=6 m=36
